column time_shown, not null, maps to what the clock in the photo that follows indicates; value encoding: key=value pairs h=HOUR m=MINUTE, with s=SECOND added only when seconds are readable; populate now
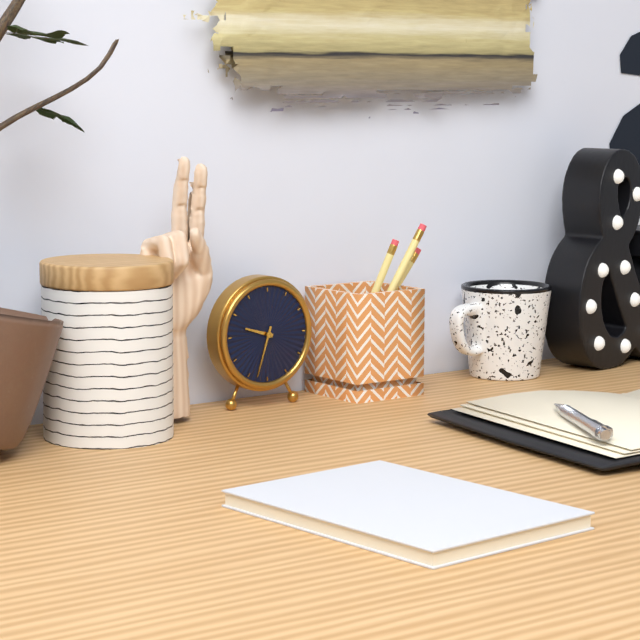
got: h=9 m=33
